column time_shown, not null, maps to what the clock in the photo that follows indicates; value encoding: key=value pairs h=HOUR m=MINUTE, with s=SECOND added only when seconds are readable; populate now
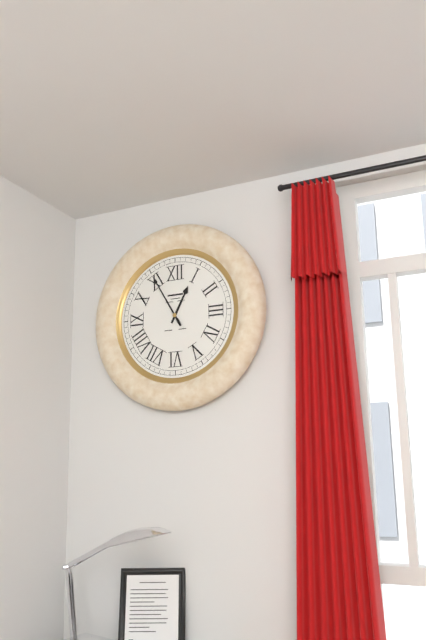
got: h=12 m=55
